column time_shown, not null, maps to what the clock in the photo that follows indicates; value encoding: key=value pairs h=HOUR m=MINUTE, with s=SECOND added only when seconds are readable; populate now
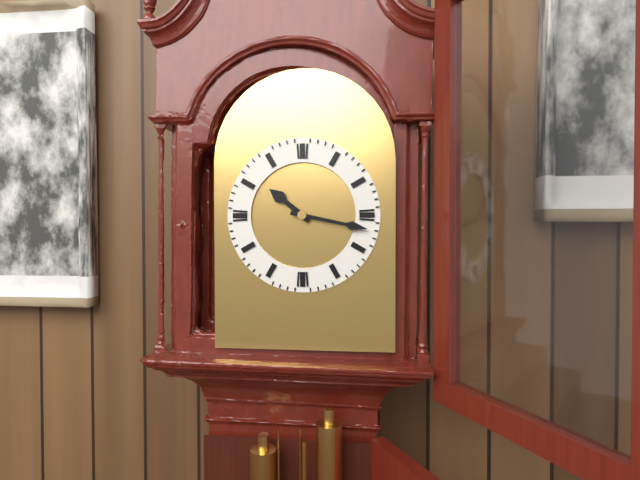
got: h=10 m=17
